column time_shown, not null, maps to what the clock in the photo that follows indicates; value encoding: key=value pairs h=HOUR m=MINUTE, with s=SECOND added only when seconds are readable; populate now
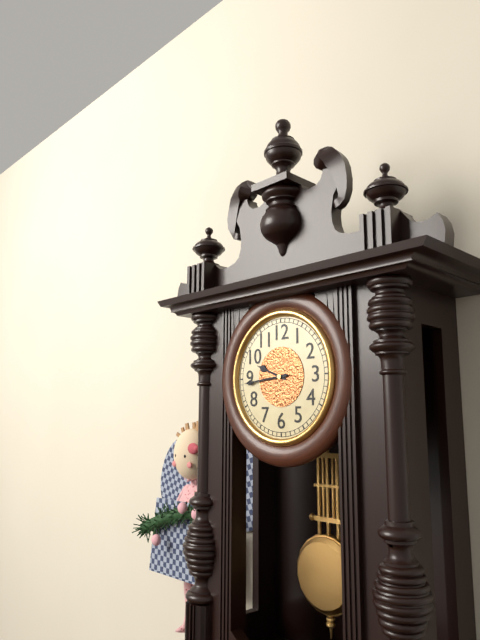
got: h=9 m=44
